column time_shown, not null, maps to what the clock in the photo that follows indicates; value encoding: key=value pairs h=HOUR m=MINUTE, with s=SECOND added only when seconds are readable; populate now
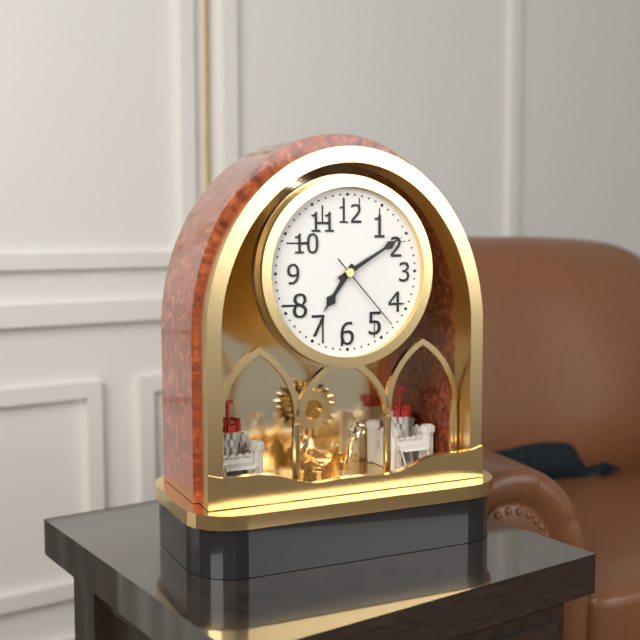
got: h=7 m=10 s=23
